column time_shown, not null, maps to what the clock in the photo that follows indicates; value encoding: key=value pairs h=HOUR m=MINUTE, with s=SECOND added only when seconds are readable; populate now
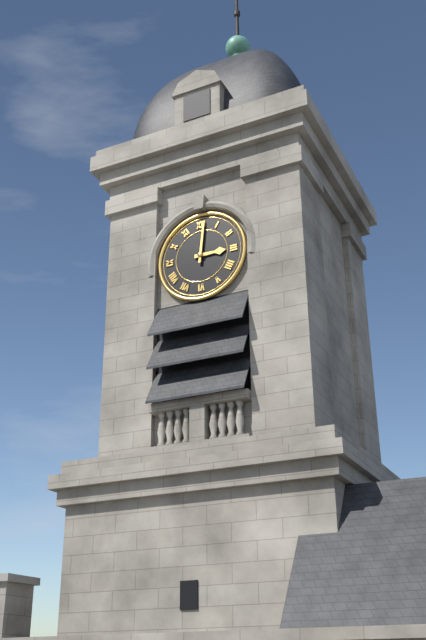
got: h=3 m=1
